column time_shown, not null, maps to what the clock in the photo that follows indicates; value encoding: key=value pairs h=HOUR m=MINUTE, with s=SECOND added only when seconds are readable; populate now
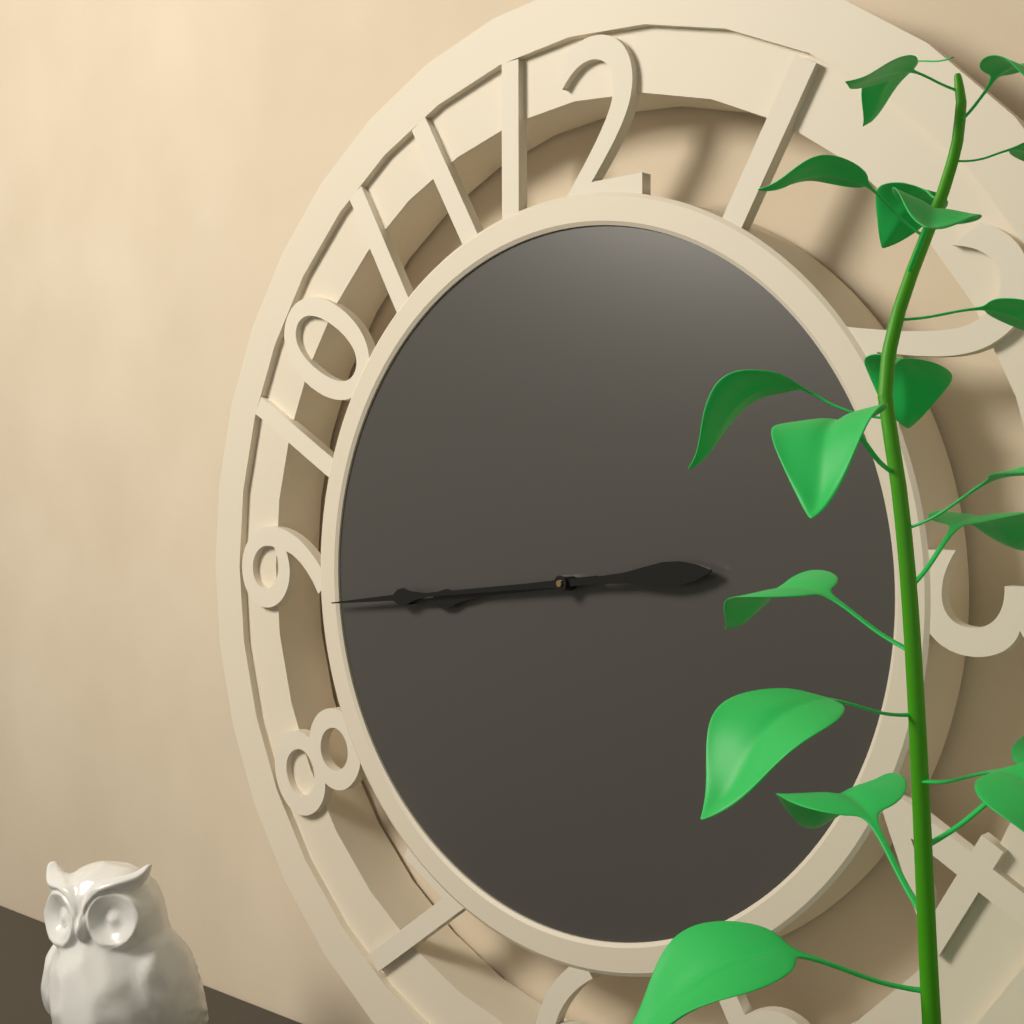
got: h=8 m=44
